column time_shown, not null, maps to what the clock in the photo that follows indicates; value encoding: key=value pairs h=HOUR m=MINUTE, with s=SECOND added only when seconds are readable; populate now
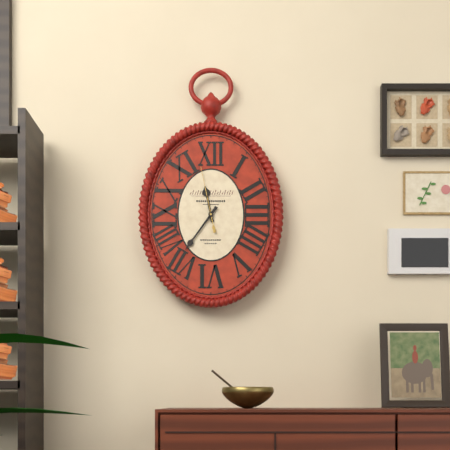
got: h=11 m=36 s=58
